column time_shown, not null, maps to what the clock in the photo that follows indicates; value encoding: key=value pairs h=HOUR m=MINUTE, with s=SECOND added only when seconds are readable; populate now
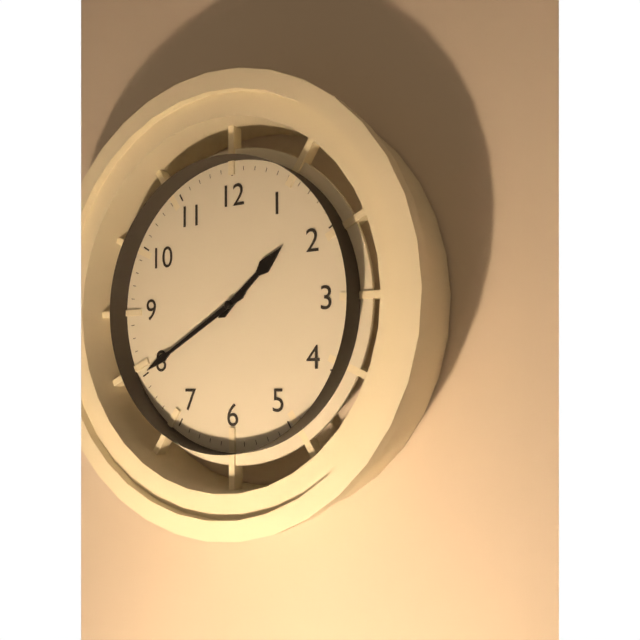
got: h=1 m=40
